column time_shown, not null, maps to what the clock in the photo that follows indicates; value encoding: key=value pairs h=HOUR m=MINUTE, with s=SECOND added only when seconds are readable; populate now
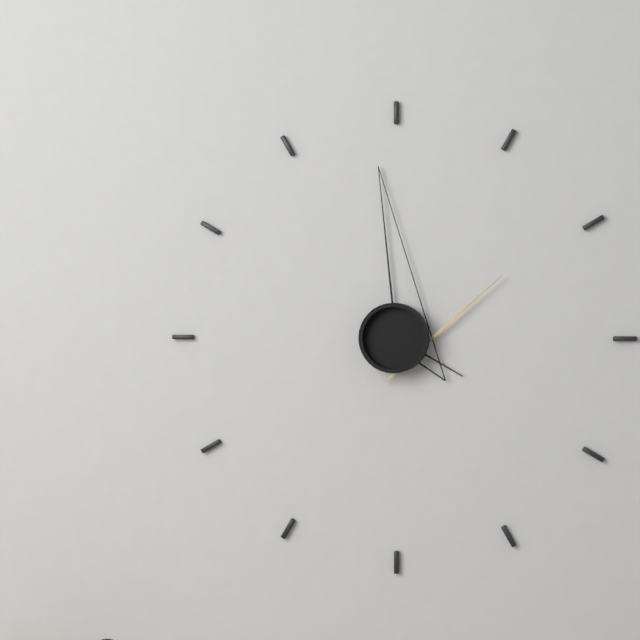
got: h=3 m=59 s=10
